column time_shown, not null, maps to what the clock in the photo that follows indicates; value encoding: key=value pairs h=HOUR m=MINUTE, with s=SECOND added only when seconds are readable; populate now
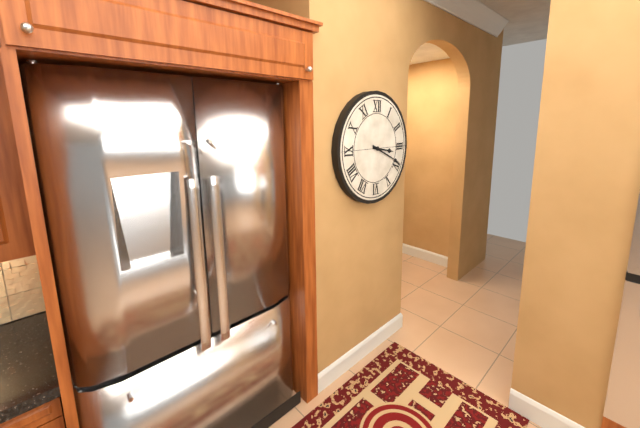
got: h=3 m=19
